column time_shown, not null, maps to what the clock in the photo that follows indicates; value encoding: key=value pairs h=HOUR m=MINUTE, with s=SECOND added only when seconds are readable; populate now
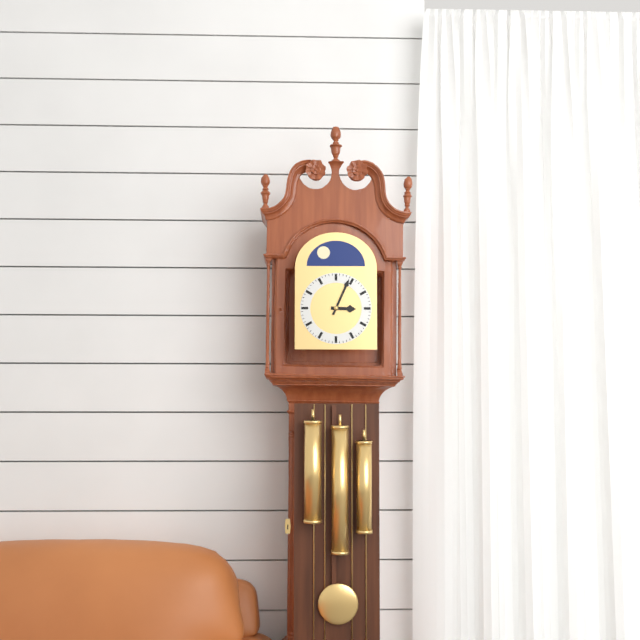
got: h=3 m=4
